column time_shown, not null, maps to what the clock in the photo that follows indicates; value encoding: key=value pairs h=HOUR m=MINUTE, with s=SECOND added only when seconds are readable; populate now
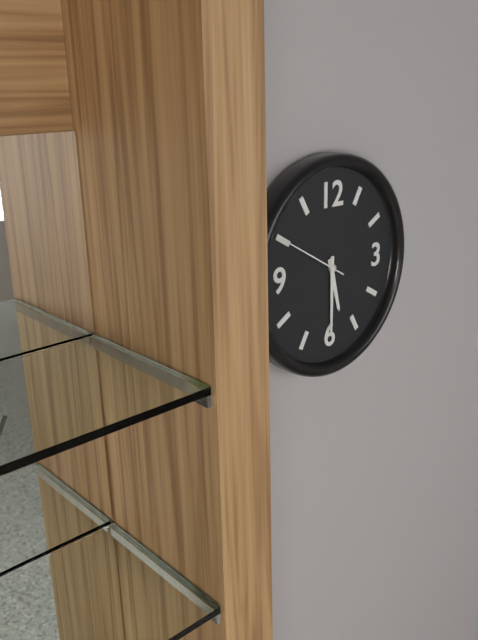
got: h=5 m=30 s=50
